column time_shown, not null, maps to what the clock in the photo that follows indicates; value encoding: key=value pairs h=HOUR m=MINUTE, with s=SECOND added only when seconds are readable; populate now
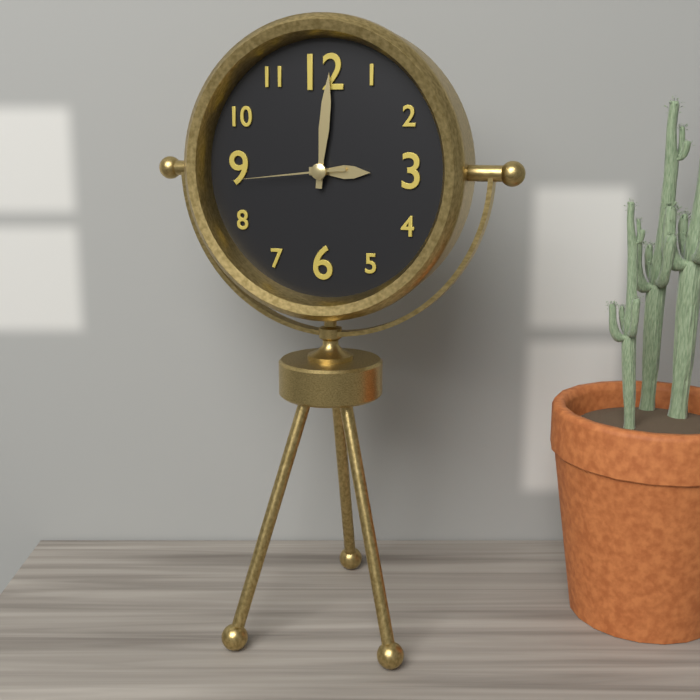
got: h=3 m=1 s=44
